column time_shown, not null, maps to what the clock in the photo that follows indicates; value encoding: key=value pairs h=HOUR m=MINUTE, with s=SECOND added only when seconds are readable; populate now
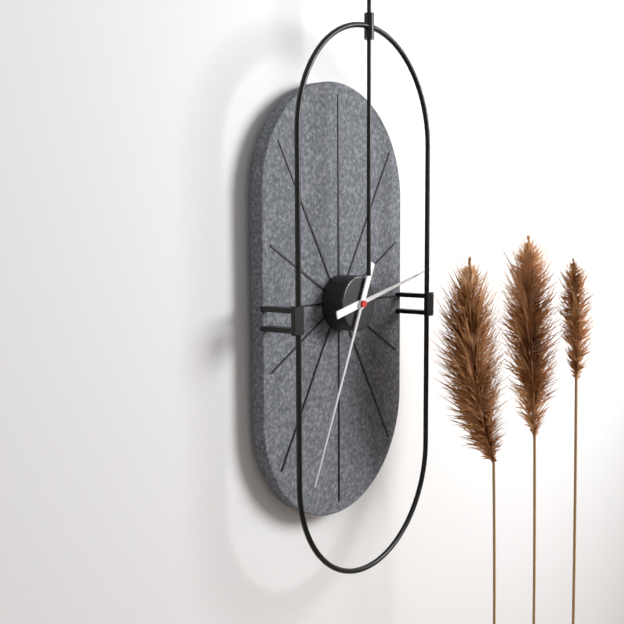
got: h=2 m=34
